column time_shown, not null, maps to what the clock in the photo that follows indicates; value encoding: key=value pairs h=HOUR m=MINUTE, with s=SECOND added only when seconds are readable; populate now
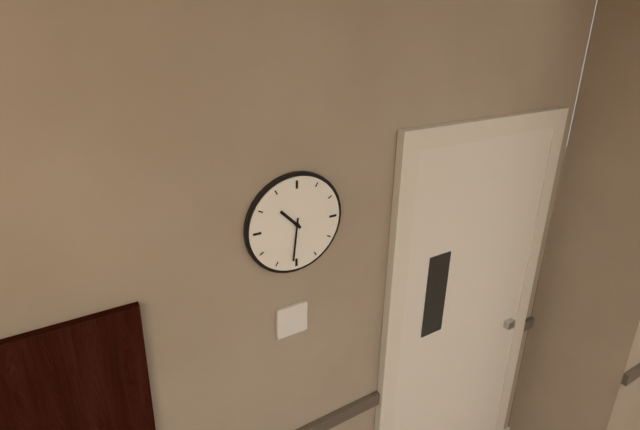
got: h=10 m=31
